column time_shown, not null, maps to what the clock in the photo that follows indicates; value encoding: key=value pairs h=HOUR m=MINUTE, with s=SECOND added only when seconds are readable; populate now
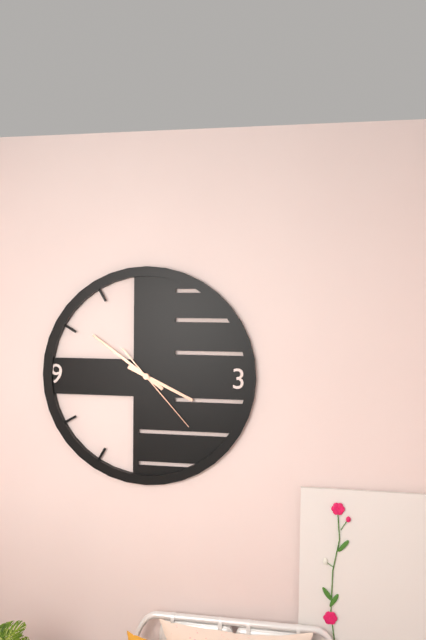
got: h=3 m=51 s=23
